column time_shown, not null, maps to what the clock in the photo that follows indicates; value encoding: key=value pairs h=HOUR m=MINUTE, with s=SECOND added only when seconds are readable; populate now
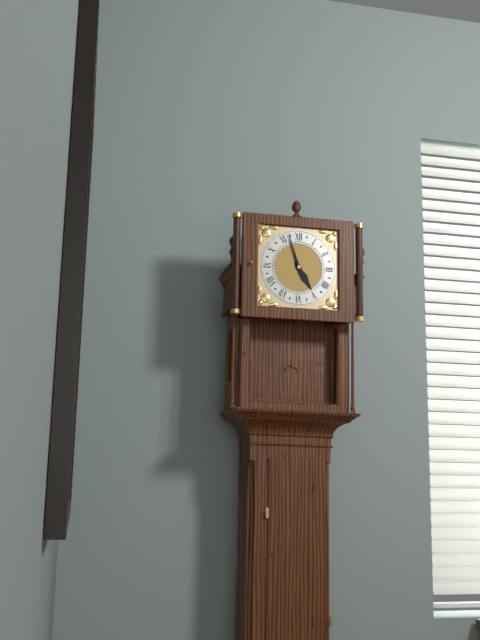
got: h=4 m=57
